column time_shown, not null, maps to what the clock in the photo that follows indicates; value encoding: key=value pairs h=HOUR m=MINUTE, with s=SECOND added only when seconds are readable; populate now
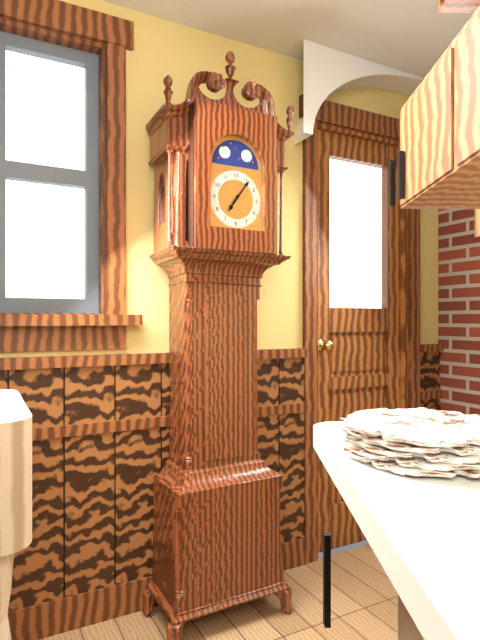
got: h=7 m=6
